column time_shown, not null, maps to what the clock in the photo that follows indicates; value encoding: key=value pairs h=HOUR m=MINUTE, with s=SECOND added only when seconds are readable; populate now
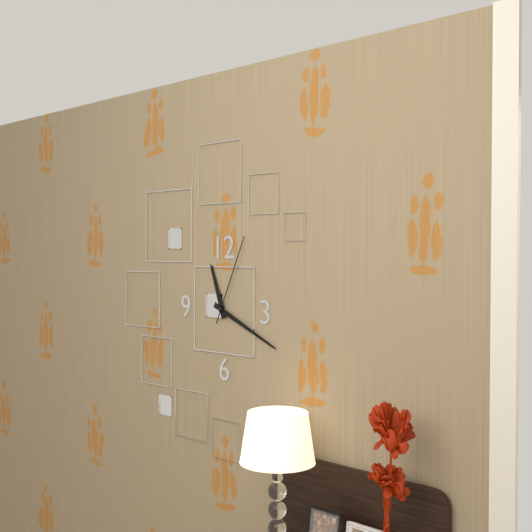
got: h=11 m=19 s=4
